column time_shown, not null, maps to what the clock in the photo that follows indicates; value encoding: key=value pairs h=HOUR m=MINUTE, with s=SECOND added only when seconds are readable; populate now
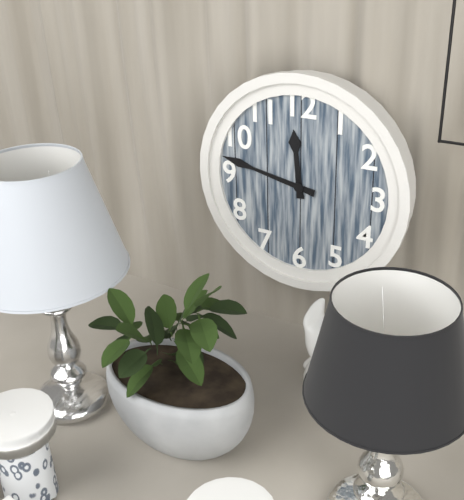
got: h=11 m=47
